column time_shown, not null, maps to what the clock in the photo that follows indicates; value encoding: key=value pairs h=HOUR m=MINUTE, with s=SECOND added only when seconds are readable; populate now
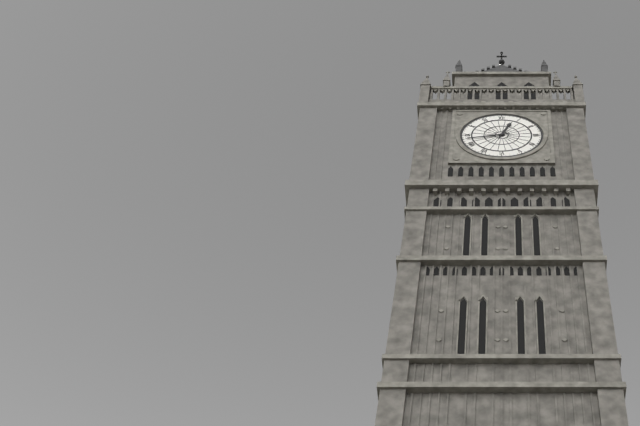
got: h=12 m=43
